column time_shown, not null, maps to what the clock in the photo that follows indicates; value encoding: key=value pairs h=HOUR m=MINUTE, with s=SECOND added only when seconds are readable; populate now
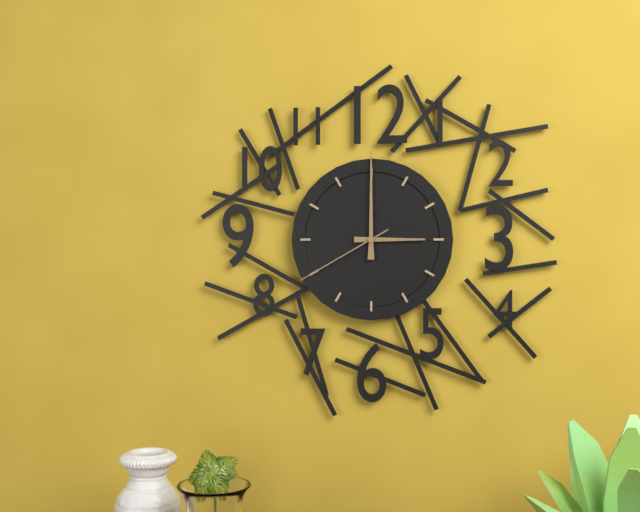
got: h=3 m=0 s=40
